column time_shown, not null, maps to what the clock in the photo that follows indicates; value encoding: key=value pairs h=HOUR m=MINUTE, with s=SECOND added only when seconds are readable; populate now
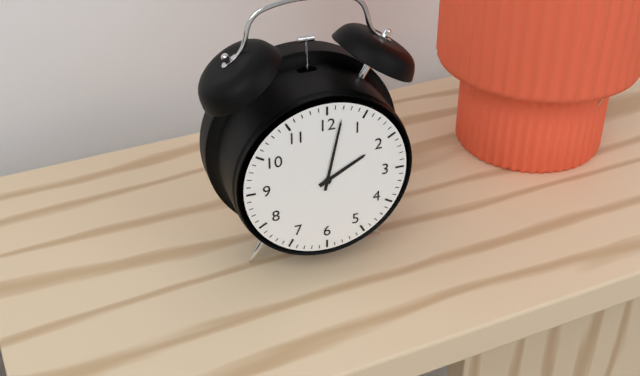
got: h=2 m=2
